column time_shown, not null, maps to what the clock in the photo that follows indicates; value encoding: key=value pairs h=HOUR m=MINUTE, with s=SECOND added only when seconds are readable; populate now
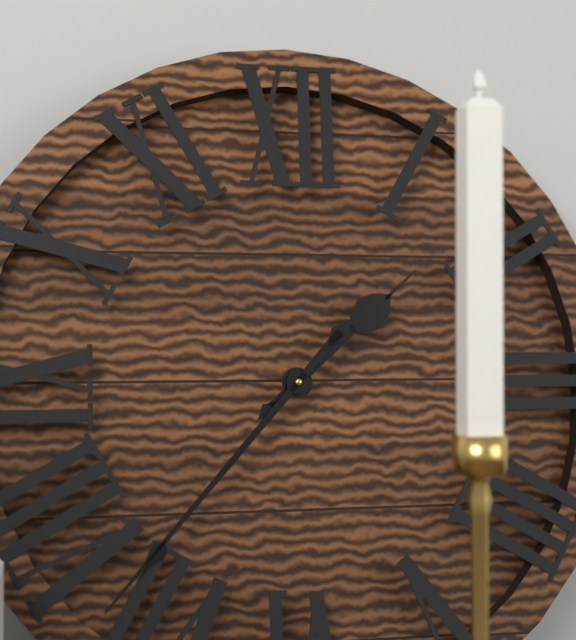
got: h=1 m=37
